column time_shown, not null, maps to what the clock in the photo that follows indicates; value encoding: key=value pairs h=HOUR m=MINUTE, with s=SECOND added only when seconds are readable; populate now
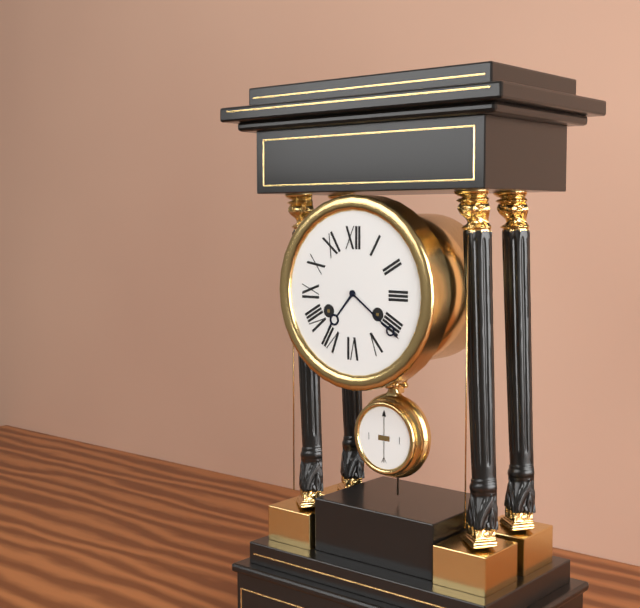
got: h=7 m=21
